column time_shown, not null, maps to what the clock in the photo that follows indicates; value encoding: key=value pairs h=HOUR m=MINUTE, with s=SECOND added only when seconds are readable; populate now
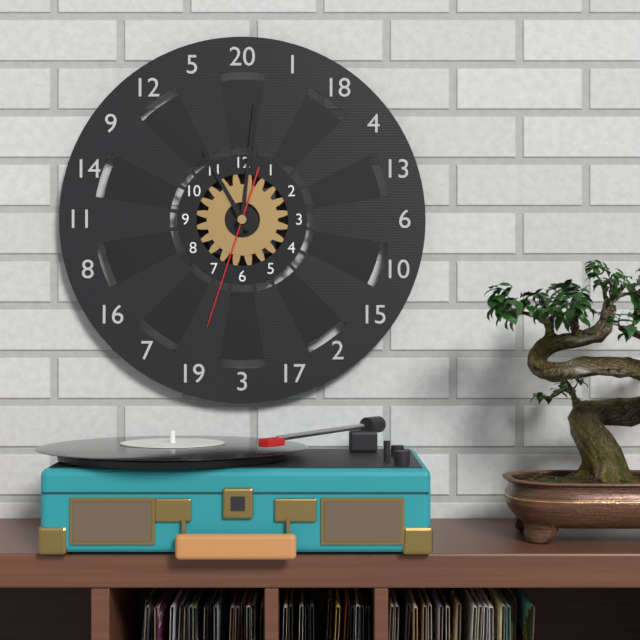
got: h=11 m=1 s=33
